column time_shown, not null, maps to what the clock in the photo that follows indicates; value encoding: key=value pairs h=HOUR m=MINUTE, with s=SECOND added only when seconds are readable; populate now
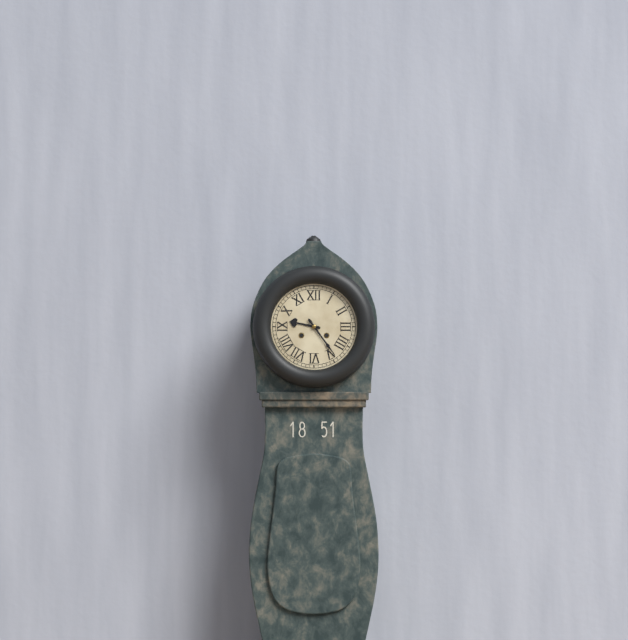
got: h=9 m=24
